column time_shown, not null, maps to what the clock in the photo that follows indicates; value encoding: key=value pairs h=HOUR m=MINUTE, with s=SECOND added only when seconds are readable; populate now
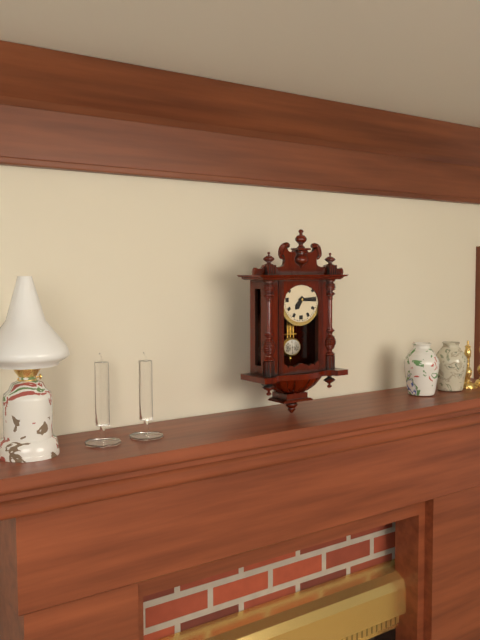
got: h=7 m=15
